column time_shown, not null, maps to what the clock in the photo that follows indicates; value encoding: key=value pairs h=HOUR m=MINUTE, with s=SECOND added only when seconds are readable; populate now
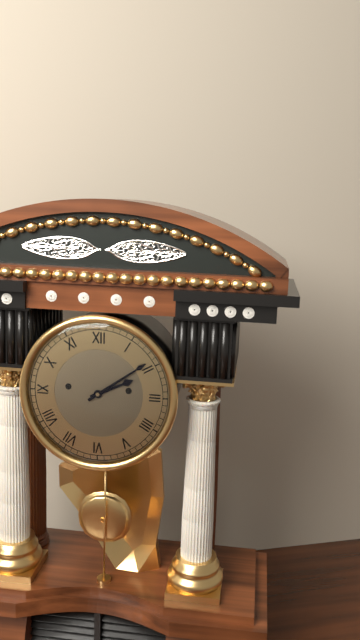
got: h=2 m=9
